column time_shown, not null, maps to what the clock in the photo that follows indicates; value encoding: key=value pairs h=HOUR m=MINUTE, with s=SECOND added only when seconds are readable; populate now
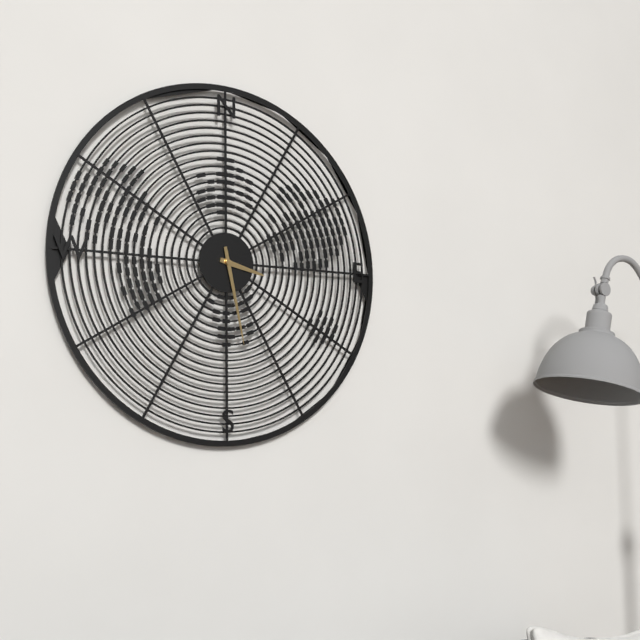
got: h=3 m=28
